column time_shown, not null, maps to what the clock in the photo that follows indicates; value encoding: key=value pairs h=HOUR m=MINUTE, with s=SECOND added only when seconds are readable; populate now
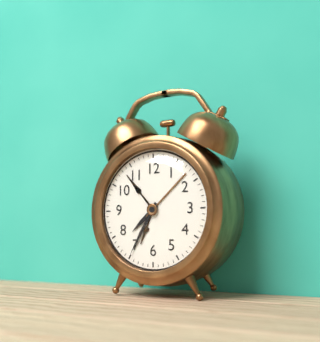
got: h=7 m=35
